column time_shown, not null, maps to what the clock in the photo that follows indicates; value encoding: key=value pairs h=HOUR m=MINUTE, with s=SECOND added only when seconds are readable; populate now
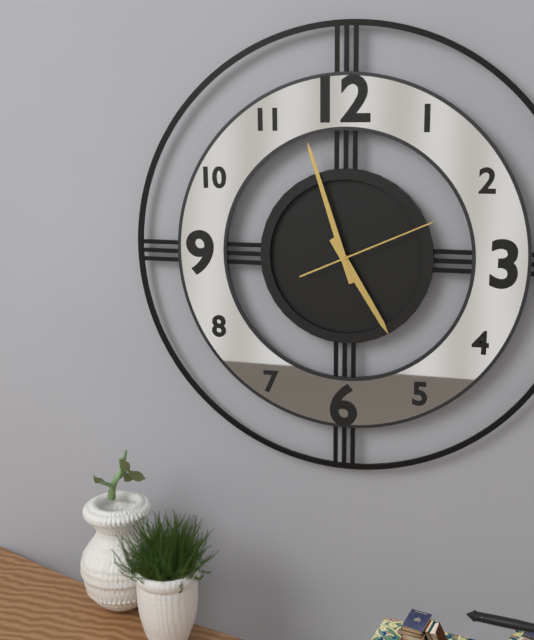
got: h=4 m=57 s=11
